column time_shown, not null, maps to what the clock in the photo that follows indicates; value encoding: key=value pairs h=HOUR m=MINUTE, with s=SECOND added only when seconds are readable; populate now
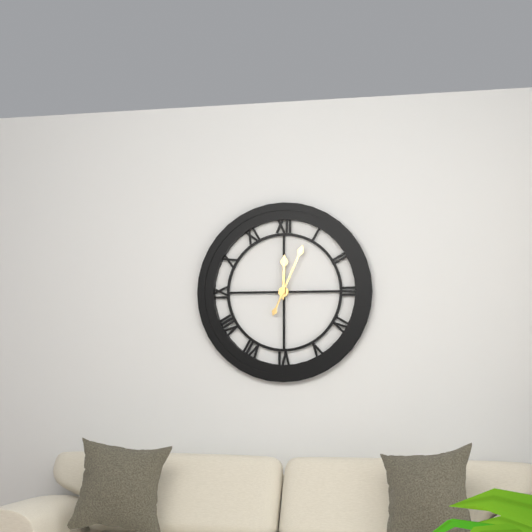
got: h=12 m=4
